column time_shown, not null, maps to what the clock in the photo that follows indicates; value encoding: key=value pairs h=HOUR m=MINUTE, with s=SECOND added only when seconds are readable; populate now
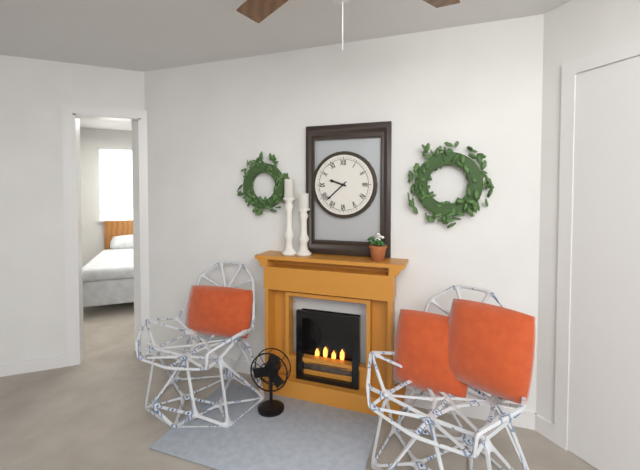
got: h=9 m=38
